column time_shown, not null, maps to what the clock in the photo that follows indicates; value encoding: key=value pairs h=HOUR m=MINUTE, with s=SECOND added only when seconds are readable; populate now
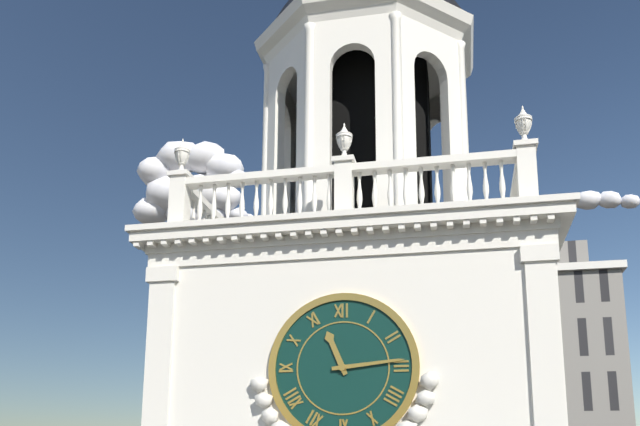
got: h=11 m=14
